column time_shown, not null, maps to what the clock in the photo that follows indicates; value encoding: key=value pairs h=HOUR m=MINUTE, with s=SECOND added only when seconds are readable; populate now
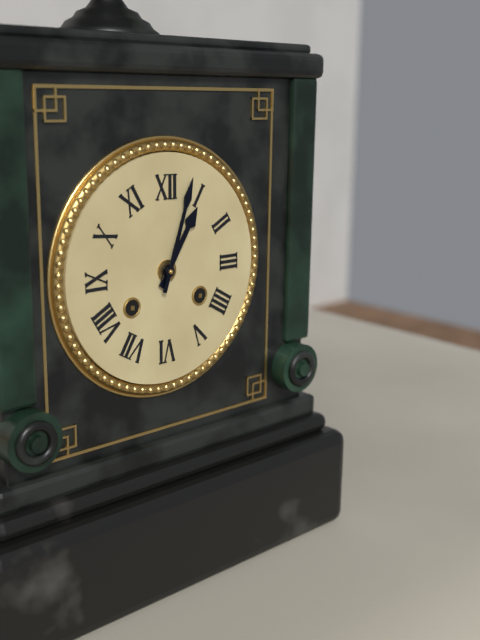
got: h=1 m=3
